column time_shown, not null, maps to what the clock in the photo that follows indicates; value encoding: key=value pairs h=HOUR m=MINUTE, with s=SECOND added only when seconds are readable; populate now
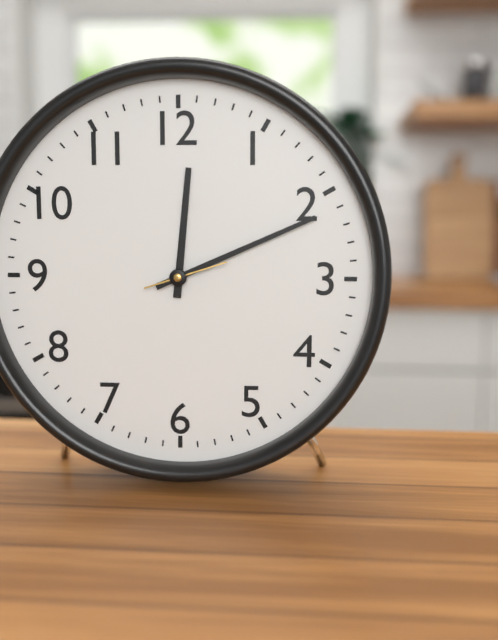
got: h=12 m=11 s=12
